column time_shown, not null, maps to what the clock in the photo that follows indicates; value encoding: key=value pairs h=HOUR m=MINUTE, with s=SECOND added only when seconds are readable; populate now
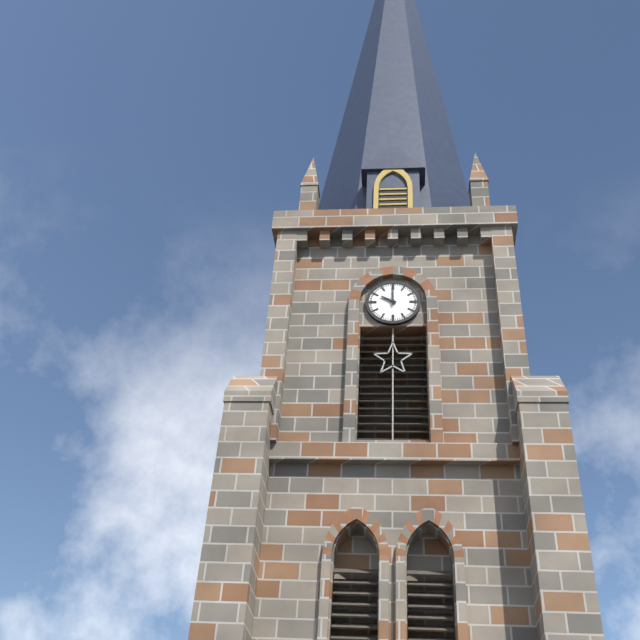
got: h=10 m=0
